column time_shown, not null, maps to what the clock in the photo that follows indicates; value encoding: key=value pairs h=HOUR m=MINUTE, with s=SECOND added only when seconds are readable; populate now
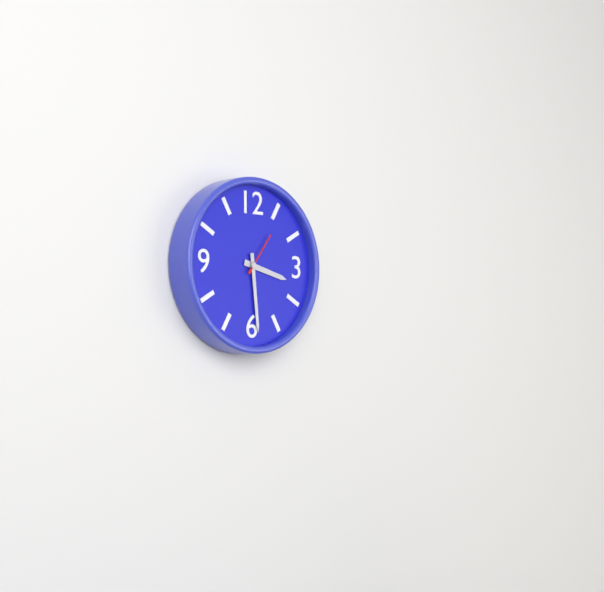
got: h=3 m=29
